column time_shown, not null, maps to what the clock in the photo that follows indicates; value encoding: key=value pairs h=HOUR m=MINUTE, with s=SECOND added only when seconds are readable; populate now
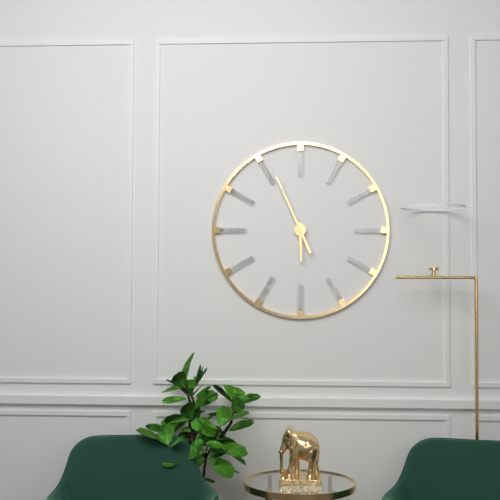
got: h=5 m=56
